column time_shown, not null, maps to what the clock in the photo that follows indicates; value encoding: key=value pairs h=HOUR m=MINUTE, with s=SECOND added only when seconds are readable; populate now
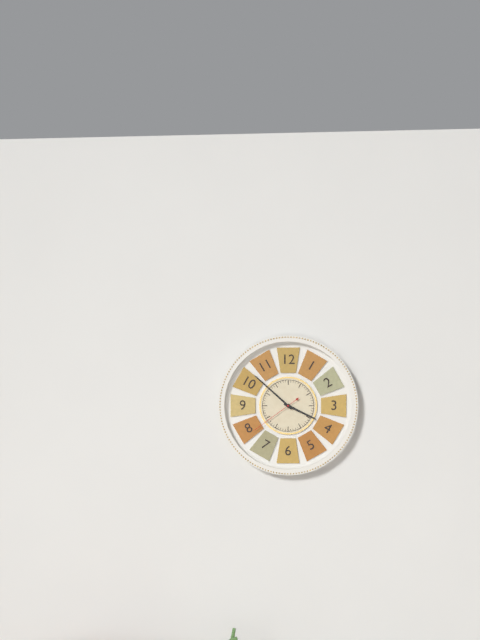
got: h=3 m=52 s=39
